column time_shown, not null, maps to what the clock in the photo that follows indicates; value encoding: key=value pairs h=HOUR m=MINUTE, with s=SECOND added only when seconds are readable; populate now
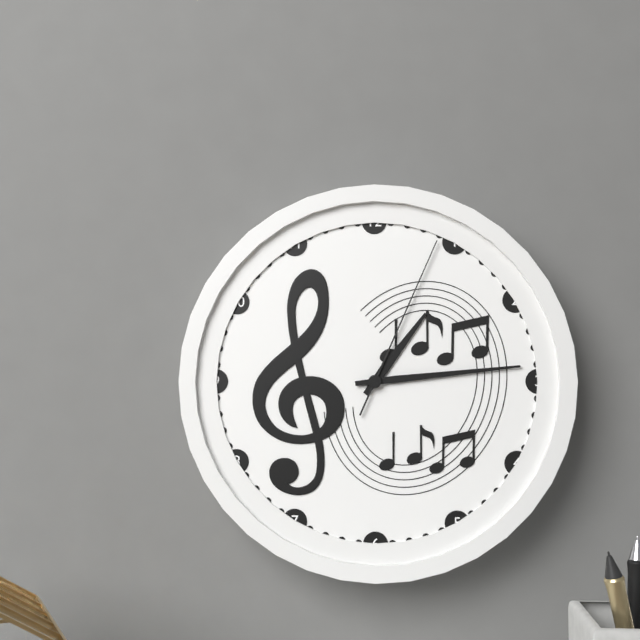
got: h=1 m=14 s=4
